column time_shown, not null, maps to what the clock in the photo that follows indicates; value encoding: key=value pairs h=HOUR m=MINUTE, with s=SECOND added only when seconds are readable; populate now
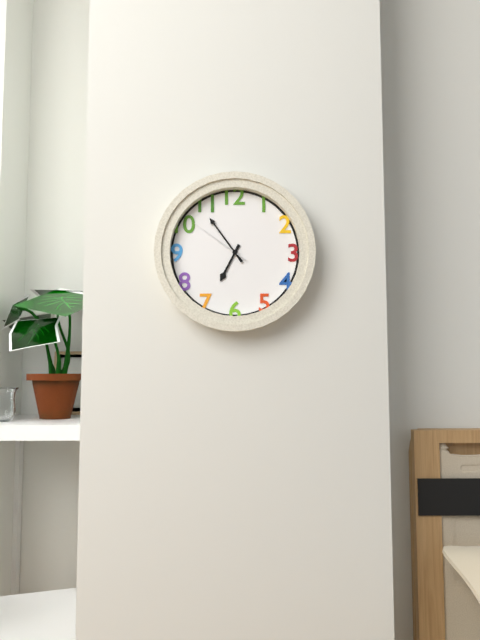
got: h=6 m=54 s=51
